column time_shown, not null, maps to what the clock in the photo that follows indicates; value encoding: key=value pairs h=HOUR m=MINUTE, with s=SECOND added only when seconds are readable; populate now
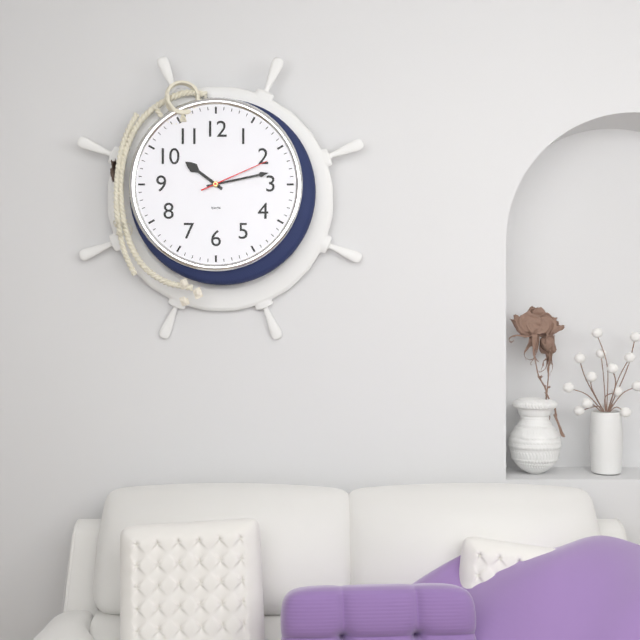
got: h=10 m=13 s=11
